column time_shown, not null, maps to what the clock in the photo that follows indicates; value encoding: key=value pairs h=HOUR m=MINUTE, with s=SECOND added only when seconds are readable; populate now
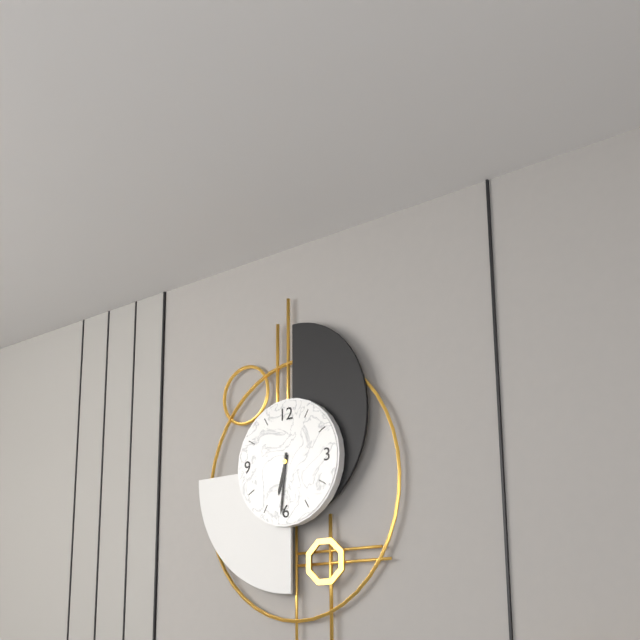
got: h=6 m=31
